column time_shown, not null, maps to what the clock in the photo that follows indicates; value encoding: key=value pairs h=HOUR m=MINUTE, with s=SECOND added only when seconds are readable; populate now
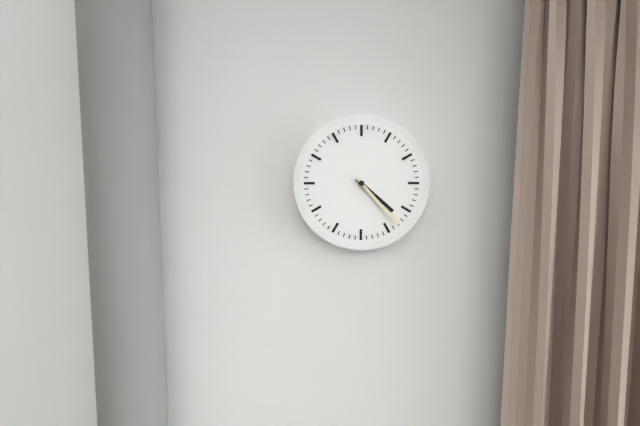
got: h=4 m=23
